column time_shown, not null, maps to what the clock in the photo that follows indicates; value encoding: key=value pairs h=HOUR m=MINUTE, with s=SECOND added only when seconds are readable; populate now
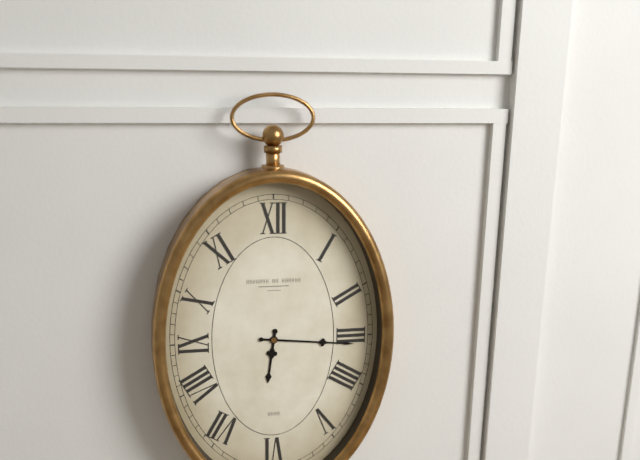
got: h=6 m=16
